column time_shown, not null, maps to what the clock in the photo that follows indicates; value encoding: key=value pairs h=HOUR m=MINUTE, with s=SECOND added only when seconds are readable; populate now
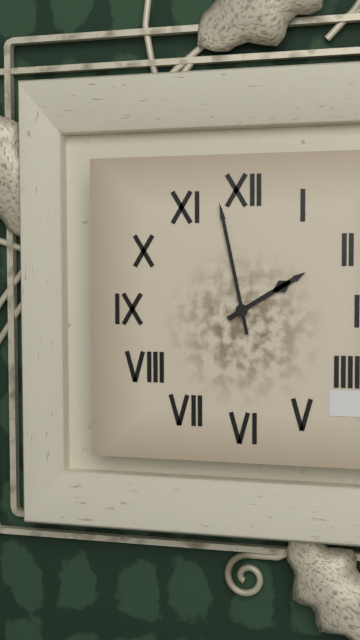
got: h=1 m=58
